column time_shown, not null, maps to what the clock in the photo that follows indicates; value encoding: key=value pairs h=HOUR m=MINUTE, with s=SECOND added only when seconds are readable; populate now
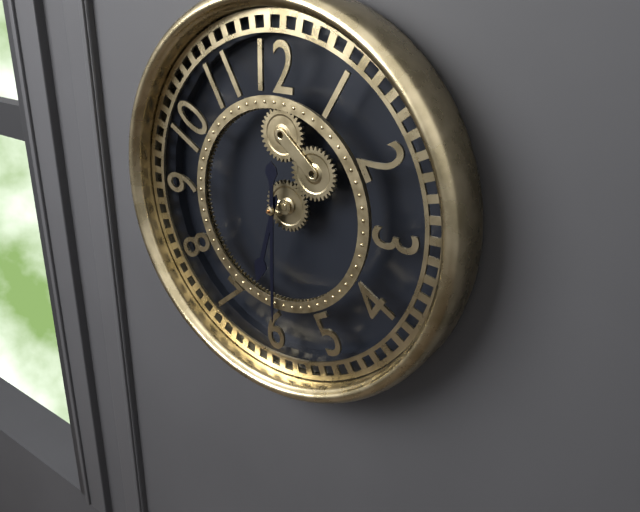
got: h=6 m=30
